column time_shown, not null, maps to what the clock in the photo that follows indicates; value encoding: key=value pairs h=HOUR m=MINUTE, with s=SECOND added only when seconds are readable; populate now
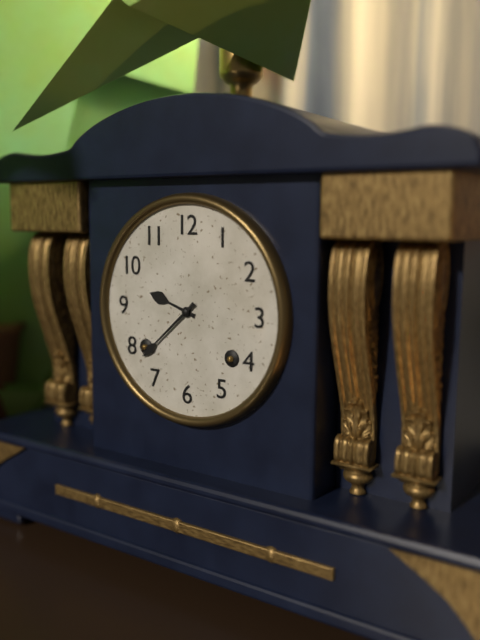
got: h=9 m=38
